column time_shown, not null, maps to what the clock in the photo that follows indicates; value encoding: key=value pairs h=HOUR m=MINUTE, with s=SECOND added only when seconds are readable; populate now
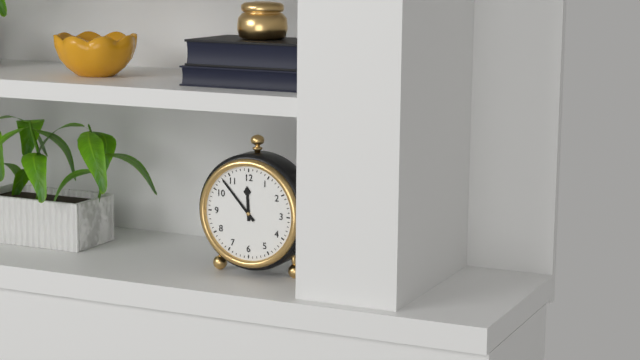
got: h=11 m=53
